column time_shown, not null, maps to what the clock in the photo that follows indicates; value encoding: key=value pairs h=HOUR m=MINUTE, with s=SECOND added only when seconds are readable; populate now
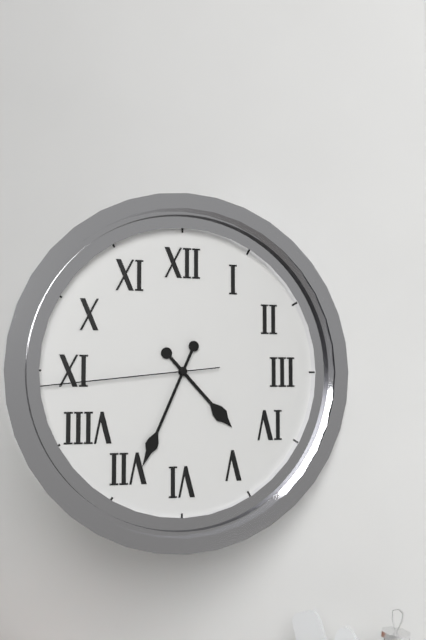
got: h=4 m=34 s=44
